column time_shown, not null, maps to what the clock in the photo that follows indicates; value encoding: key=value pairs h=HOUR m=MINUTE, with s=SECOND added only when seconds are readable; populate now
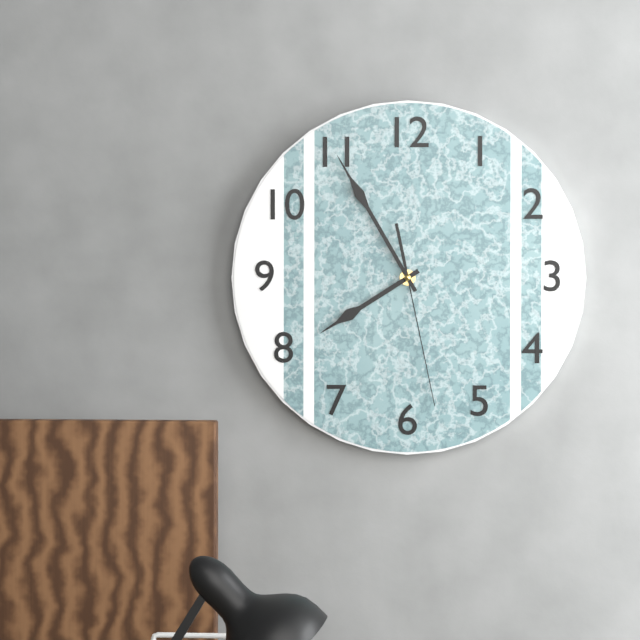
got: h=7 m=55 s=28
